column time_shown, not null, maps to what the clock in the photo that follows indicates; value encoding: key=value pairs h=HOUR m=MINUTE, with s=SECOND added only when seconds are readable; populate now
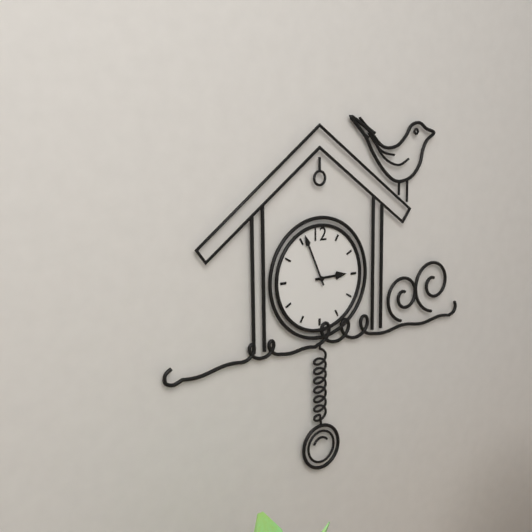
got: h=2 m=56
